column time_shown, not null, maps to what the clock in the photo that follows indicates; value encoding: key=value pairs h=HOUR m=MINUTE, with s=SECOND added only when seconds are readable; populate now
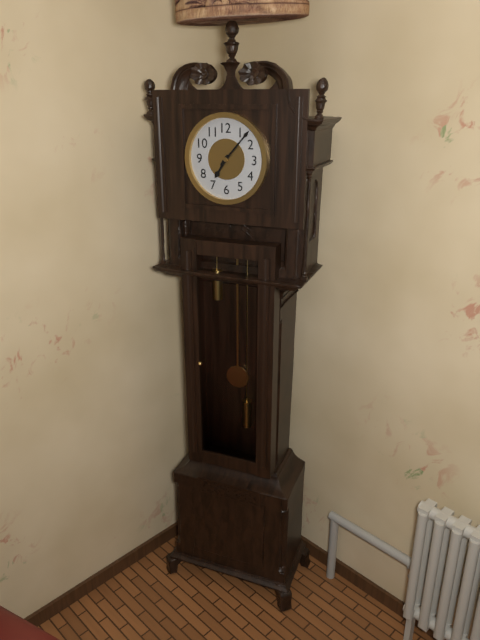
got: h=7 m=7
